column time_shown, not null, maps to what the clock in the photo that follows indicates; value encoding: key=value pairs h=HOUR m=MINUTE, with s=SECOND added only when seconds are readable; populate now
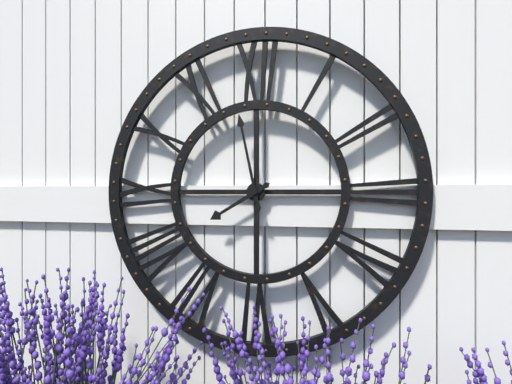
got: h=7 m=58
